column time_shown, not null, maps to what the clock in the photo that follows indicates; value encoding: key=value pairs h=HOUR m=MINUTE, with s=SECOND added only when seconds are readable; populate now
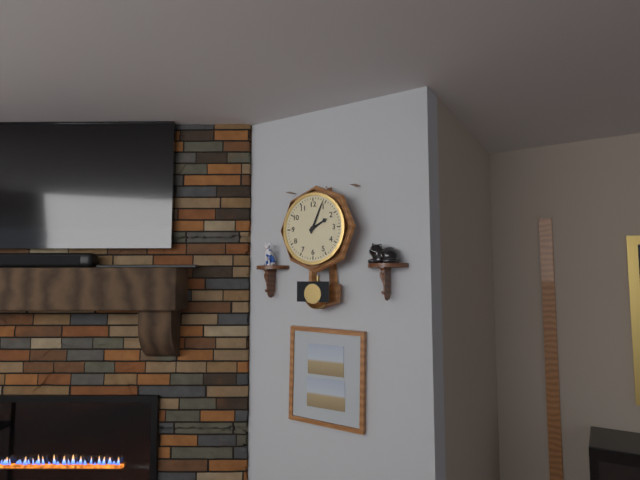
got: h=2 m=4
